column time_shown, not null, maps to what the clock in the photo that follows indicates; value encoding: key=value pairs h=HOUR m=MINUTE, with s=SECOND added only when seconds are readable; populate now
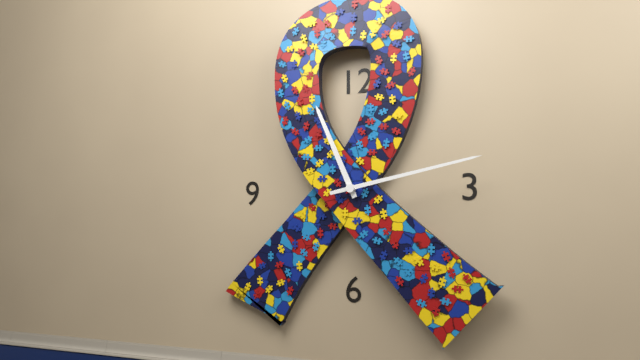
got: h=11 m=13
